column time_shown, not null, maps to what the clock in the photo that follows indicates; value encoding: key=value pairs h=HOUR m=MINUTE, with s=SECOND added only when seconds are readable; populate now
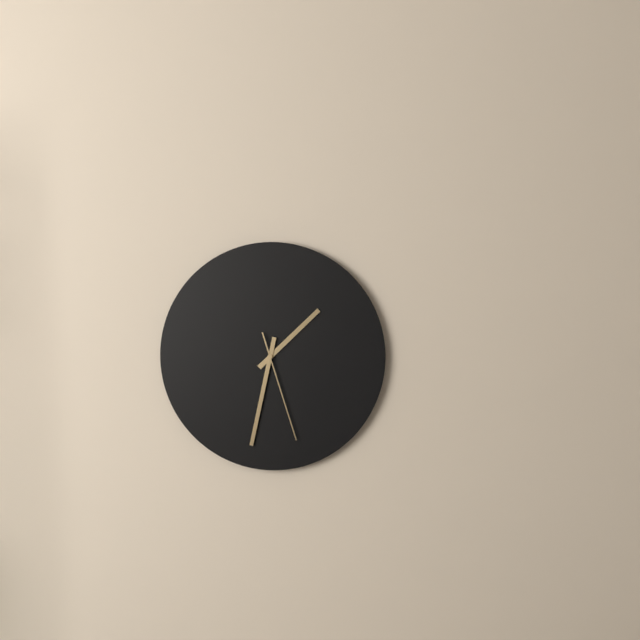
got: h=1 m=32 s=27
